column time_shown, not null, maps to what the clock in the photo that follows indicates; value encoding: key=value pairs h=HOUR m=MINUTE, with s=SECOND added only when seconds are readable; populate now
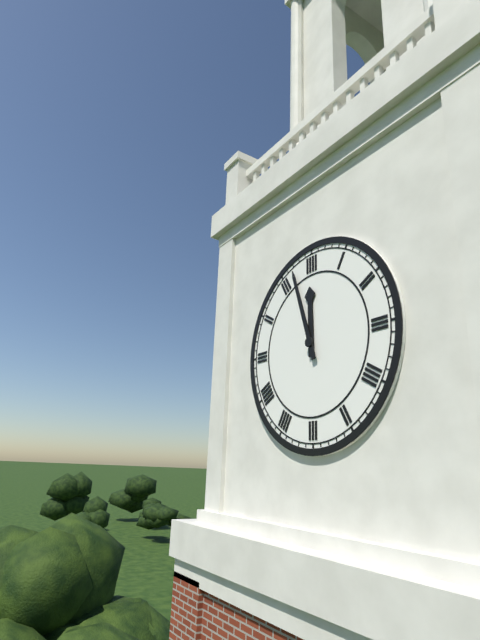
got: h=11 m=57
